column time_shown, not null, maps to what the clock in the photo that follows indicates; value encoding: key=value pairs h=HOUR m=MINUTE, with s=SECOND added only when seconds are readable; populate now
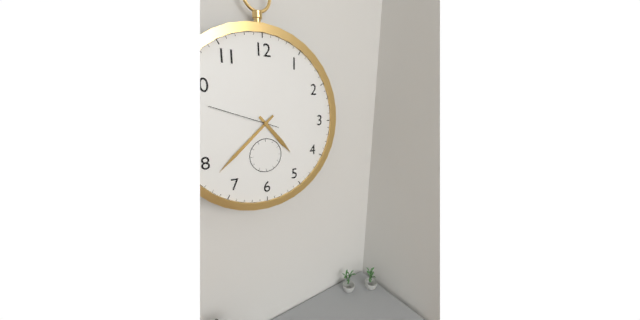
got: h=4 m=38 s=48
